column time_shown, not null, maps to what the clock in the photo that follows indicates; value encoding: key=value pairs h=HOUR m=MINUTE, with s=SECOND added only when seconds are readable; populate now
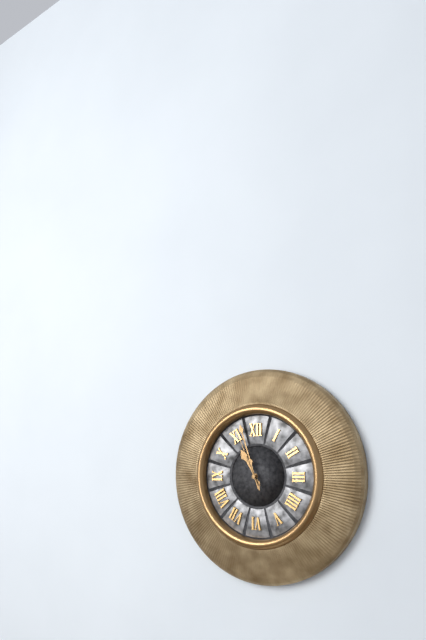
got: h=10 m=57 s=56
